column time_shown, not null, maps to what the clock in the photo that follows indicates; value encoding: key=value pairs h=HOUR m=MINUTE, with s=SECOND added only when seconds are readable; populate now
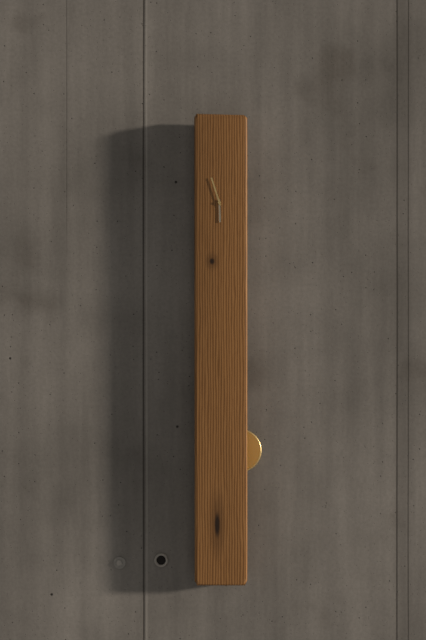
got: h=5 m=57
